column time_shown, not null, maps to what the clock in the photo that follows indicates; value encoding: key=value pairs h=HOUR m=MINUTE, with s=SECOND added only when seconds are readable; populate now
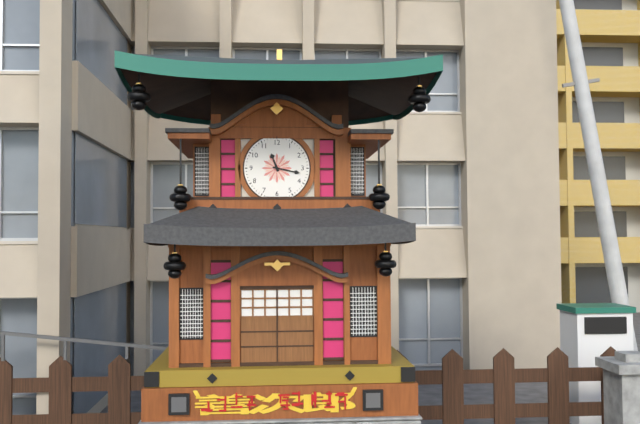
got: h=11 m=17
